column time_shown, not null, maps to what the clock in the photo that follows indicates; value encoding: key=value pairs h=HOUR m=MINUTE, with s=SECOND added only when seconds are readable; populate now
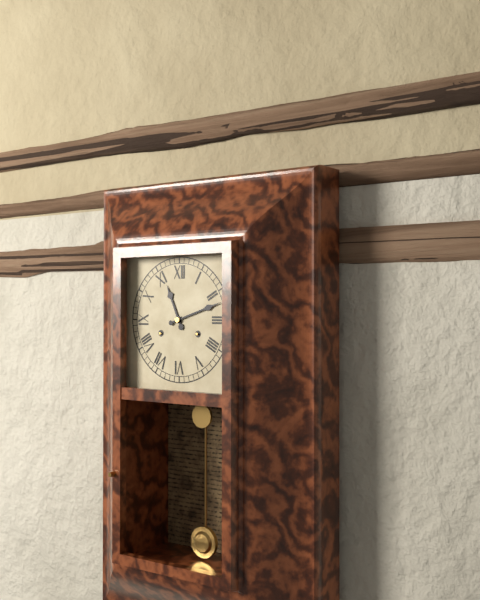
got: h=11 m=12
